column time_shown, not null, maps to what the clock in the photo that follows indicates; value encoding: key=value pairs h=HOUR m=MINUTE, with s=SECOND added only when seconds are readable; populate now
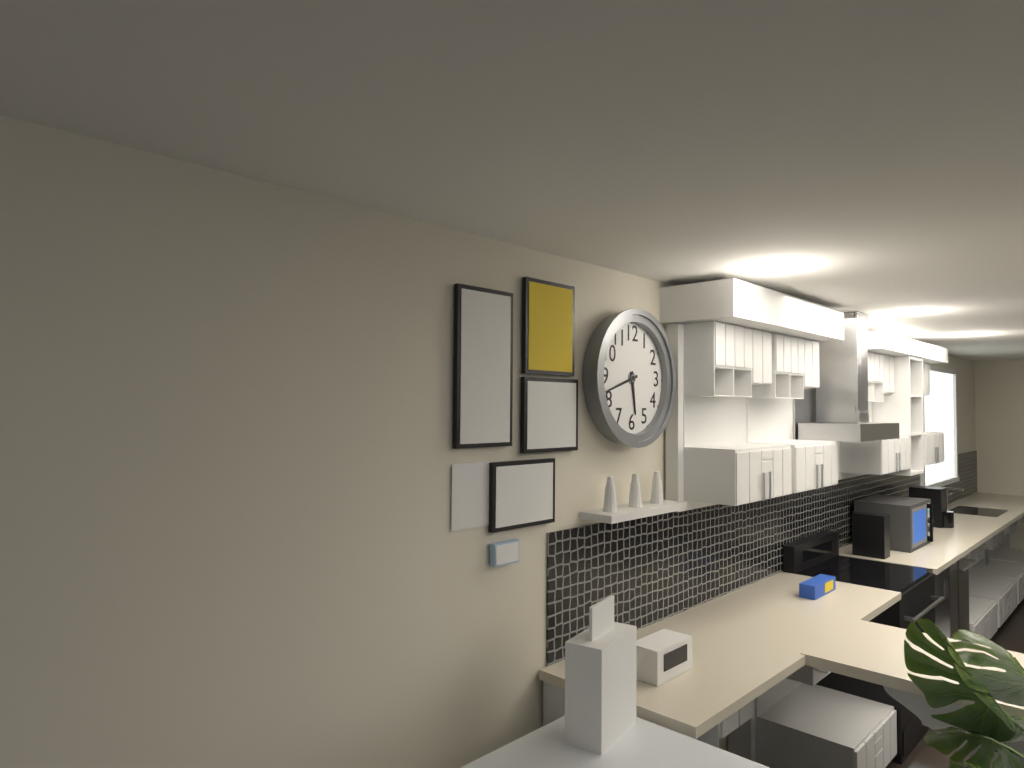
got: h=5 m=42
